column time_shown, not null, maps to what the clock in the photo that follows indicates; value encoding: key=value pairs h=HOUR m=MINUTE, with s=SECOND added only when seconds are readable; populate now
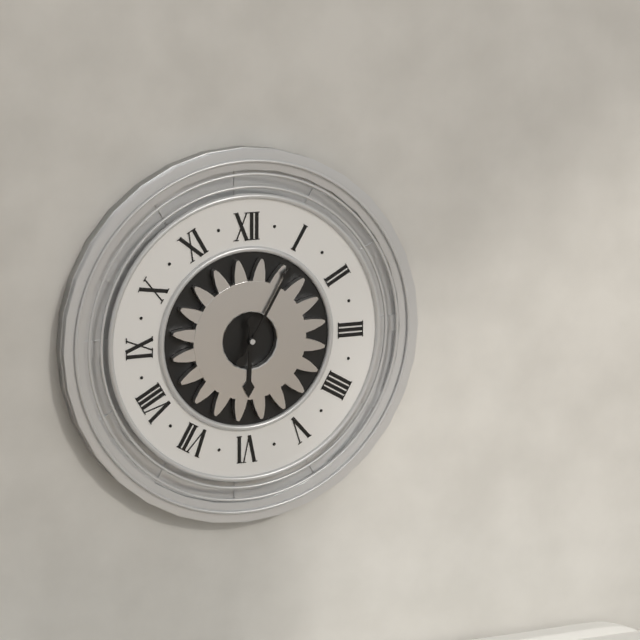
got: h=6 m=5
